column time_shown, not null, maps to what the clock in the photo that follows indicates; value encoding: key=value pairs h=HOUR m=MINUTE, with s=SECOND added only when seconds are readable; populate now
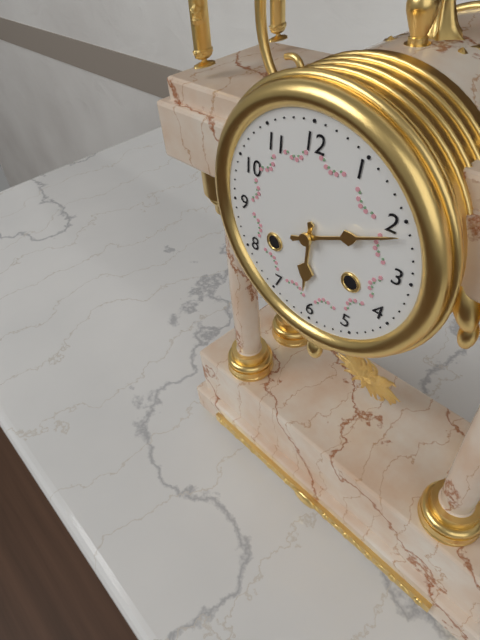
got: h=6 m=11
